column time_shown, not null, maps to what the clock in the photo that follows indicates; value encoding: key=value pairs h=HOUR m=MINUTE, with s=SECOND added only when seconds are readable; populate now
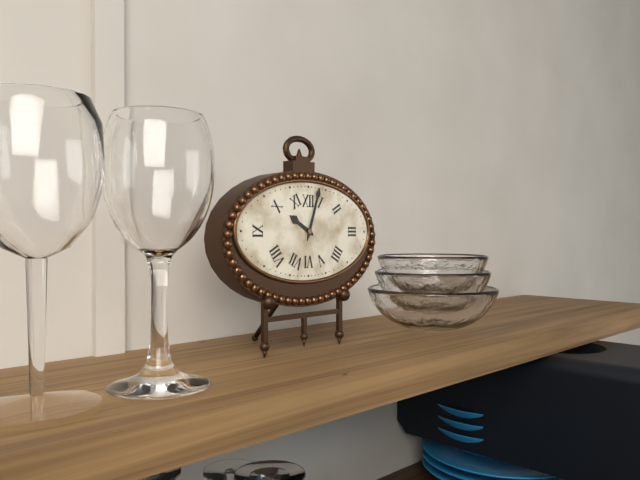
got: h=10 m=3
